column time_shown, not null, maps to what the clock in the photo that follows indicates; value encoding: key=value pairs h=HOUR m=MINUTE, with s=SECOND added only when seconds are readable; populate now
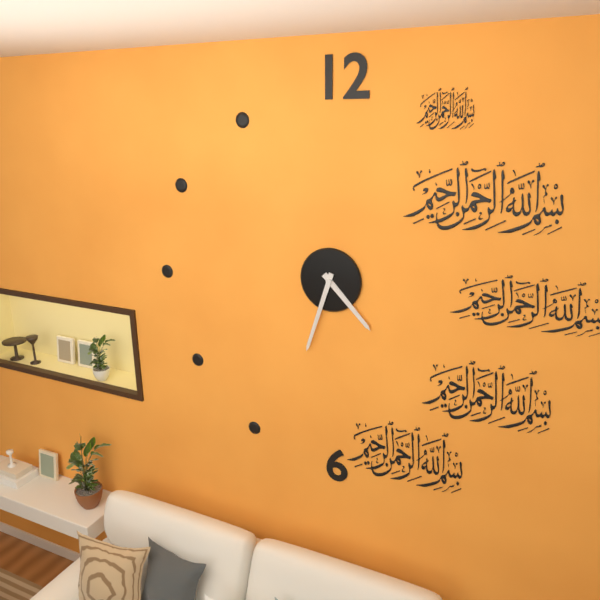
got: h=4 m=33
